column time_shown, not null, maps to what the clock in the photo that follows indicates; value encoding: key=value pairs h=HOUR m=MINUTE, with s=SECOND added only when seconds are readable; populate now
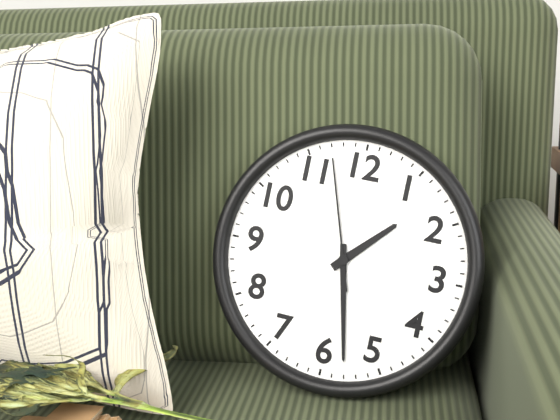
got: h=1 m=28 s=57
